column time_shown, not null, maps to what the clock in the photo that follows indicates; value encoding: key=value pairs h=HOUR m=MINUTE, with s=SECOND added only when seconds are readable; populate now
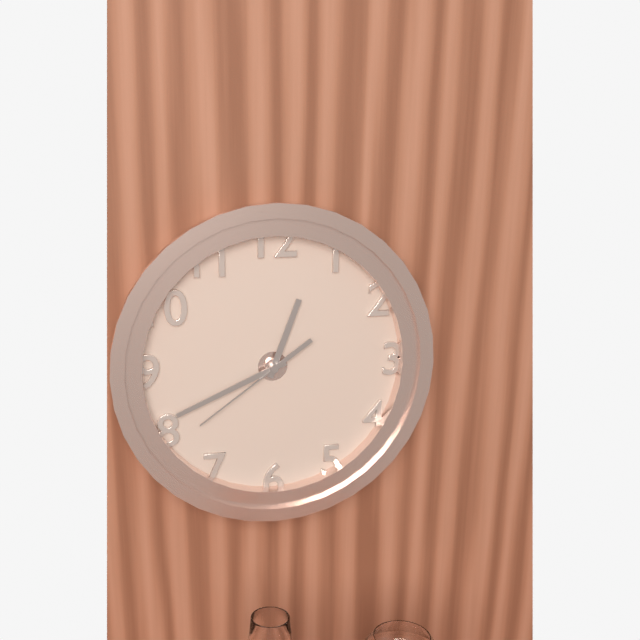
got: h=12 m=41 s=39
